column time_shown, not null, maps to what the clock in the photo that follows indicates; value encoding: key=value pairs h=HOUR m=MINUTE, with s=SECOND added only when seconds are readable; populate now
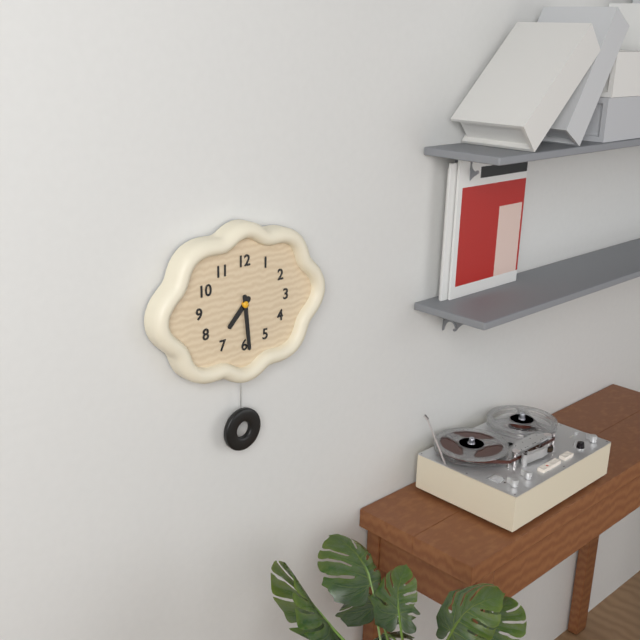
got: h=7 m=29
